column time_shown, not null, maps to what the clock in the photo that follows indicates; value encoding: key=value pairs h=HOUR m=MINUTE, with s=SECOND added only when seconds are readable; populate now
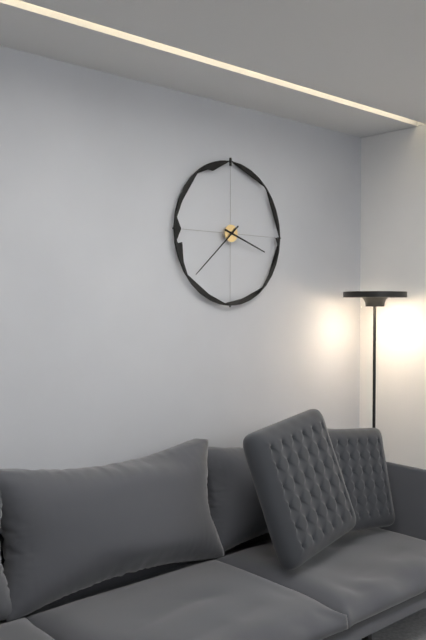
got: h=3 m=38
